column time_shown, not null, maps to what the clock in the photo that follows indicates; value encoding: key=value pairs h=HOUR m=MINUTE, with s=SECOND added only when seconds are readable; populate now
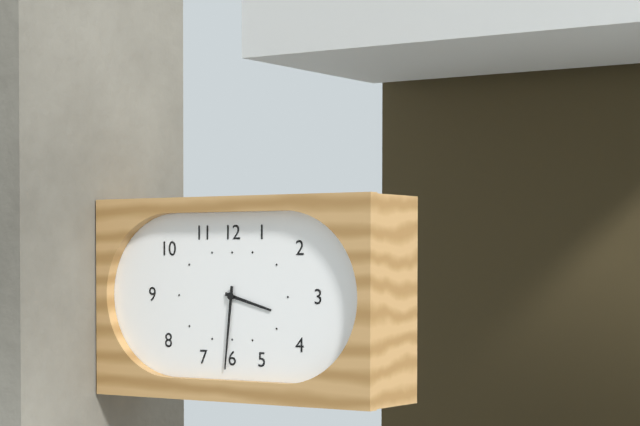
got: h=3 m=31
